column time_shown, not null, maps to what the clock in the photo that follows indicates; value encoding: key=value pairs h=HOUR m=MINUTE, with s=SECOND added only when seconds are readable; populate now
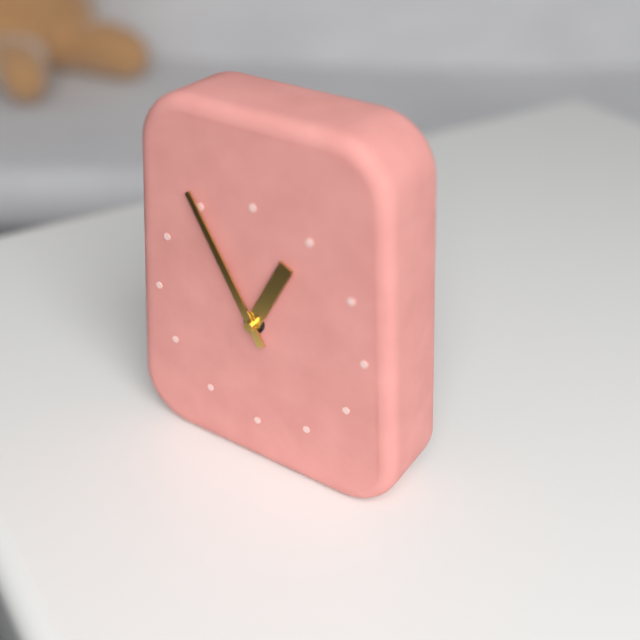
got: h=12 m=55
